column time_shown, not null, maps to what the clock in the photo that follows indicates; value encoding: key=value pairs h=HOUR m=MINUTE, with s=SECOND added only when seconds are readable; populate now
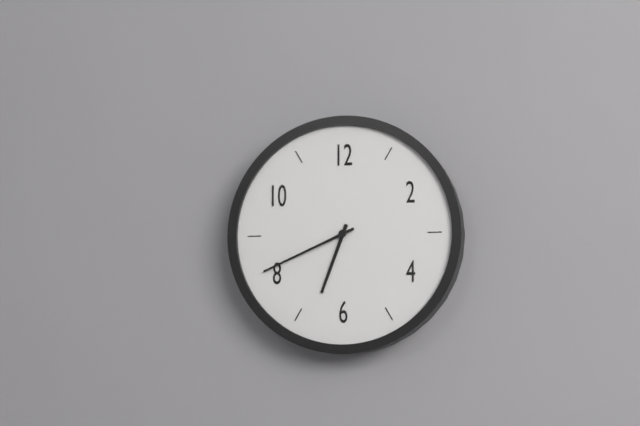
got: h=6 m=41
